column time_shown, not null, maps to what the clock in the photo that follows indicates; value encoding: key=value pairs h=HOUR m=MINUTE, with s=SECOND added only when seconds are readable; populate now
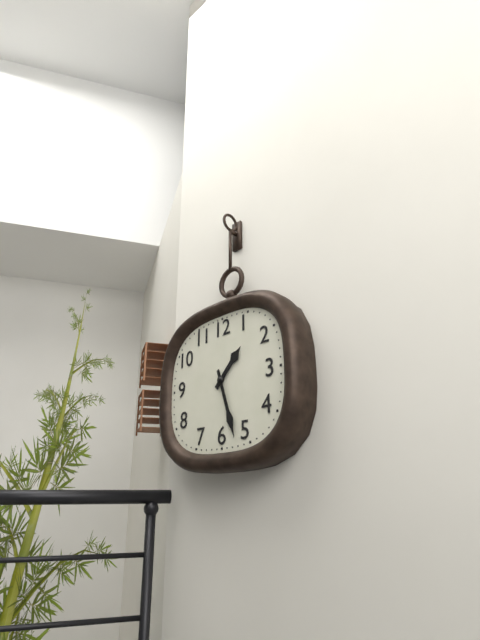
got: h=1 m=27
